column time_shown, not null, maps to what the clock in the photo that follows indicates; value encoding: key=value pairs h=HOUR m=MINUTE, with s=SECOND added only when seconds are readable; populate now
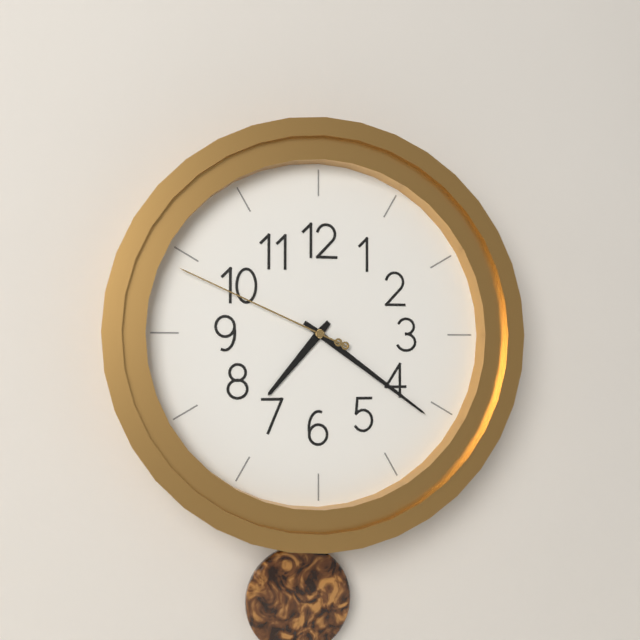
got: h=7 m=21 s=49
